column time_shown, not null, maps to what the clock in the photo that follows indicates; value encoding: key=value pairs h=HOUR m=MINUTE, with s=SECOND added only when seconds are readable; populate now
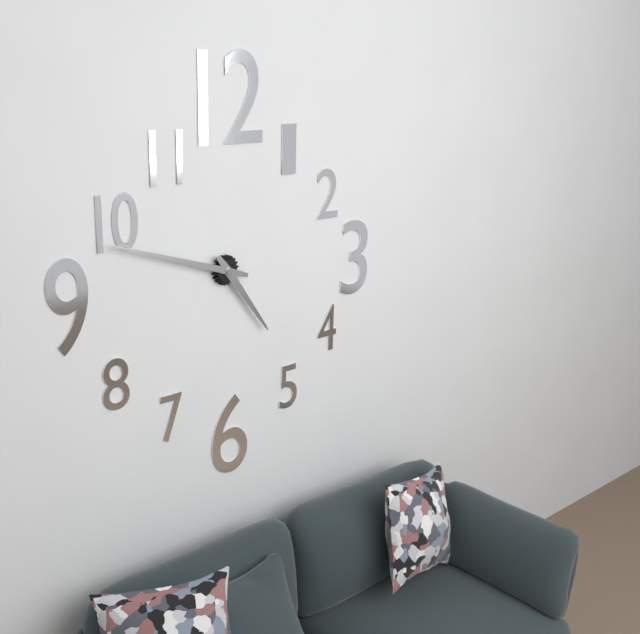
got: h=4 m=48
